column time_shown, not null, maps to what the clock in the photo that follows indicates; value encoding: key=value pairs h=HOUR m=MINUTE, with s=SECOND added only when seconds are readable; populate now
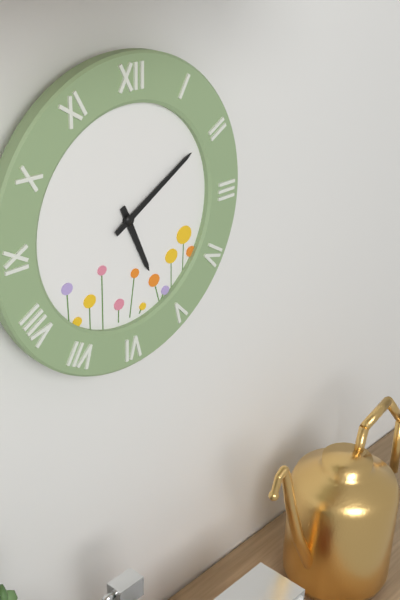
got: h=5 m=10
